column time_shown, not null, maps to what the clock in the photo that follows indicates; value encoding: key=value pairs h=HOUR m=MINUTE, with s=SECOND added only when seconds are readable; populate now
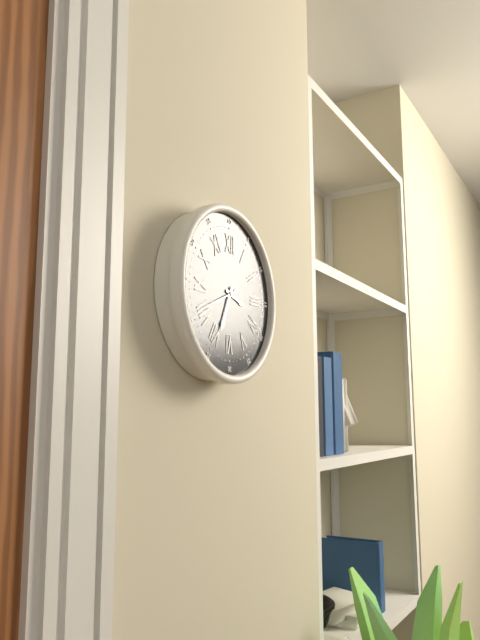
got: h=3 m=34
